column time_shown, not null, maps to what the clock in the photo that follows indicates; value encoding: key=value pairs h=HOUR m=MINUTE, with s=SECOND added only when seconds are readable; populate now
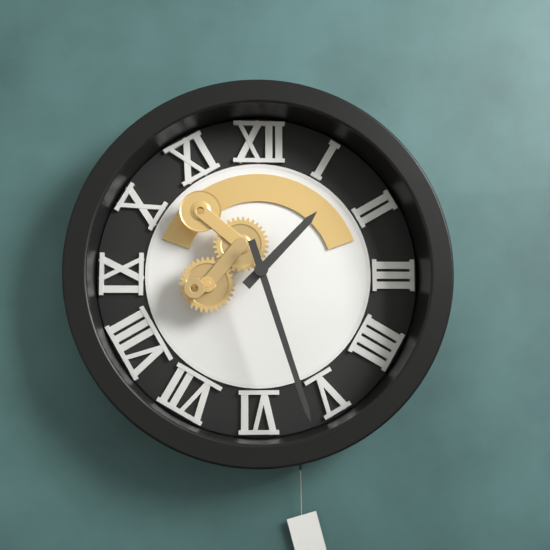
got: h=1 m=27
